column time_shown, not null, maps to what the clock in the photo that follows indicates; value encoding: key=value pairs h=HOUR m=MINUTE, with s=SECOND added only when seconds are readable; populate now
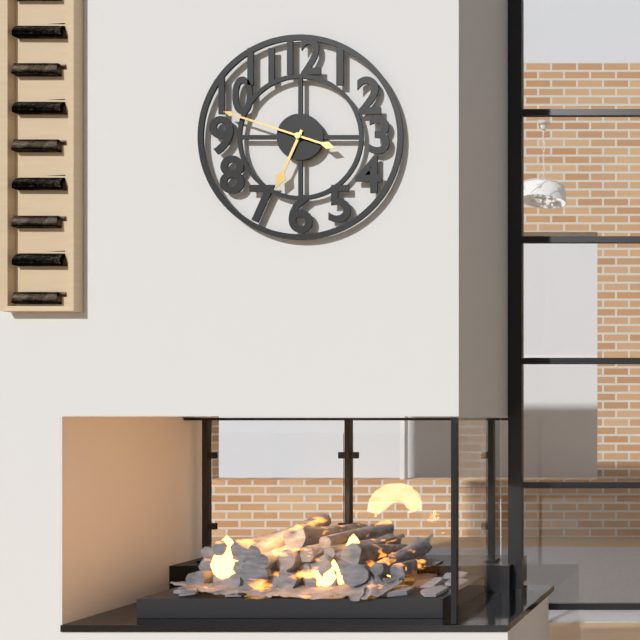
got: h=6 m=48
